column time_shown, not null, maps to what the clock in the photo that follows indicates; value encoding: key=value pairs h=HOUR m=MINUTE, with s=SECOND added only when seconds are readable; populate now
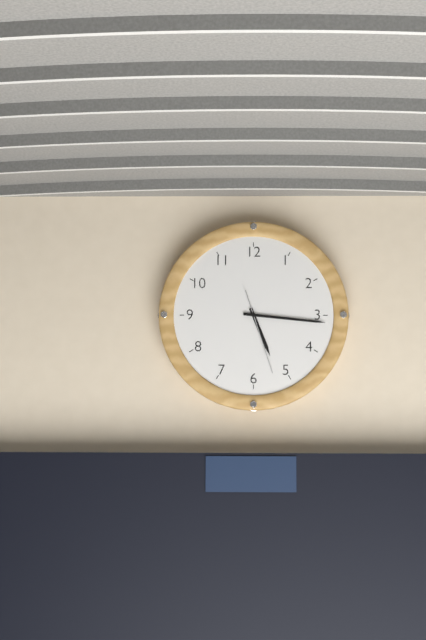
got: h=5 m=16 s=27
